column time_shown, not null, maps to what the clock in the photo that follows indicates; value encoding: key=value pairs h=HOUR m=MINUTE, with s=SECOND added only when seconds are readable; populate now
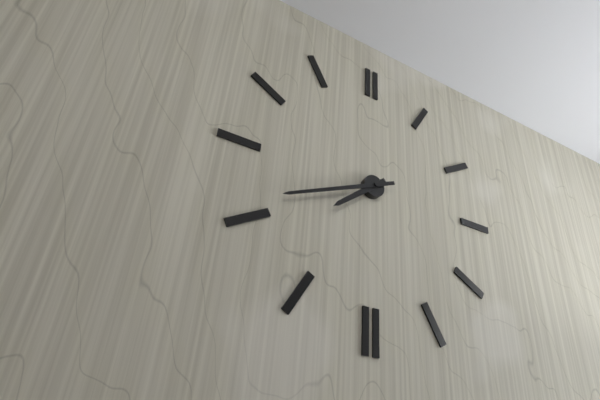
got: h=7 m=41
